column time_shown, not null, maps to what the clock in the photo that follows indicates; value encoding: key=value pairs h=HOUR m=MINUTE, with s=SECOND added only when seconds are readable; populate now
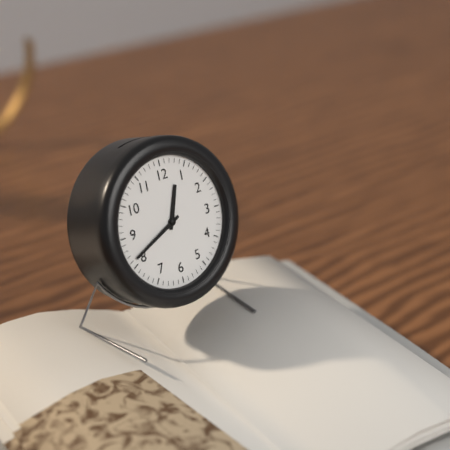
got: h=12 m=41
